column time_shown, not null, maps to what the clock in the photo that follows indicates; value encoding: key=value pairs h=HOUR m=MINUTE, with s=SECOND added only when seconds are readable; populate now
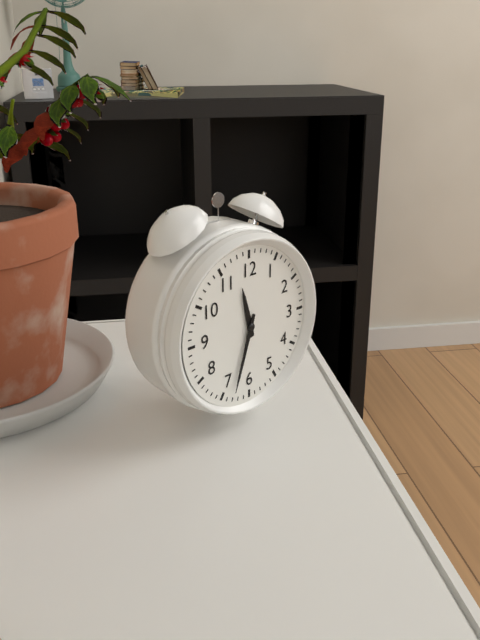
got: h=11 m=33
